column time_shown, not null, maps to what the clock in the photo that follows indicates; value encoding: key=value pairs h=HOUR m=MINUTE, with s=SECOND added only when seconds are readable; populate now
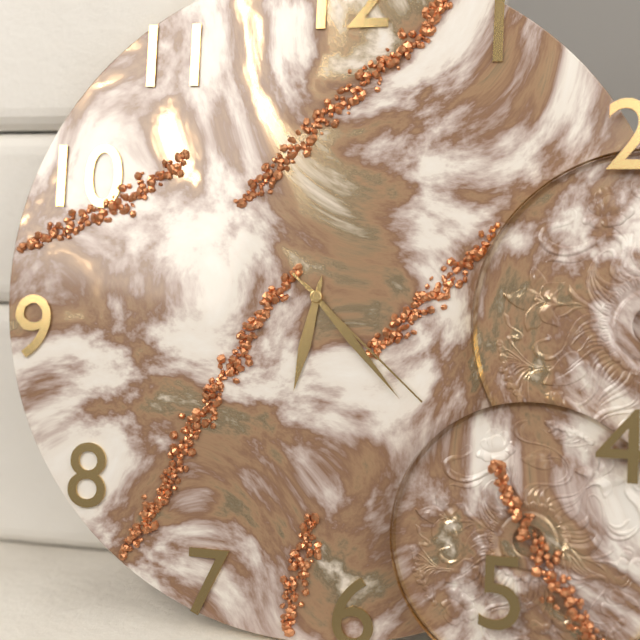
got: h=6 m=23 s=22
